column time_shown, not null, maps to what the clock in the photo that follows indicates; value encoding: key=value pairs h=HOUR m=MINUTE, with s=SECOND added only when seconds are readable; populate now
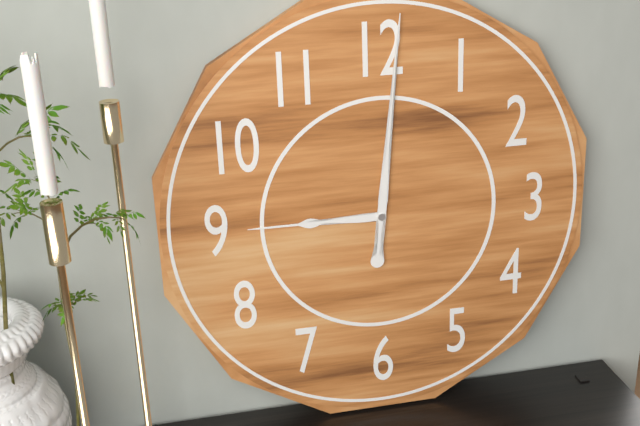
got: h=9 m=1
